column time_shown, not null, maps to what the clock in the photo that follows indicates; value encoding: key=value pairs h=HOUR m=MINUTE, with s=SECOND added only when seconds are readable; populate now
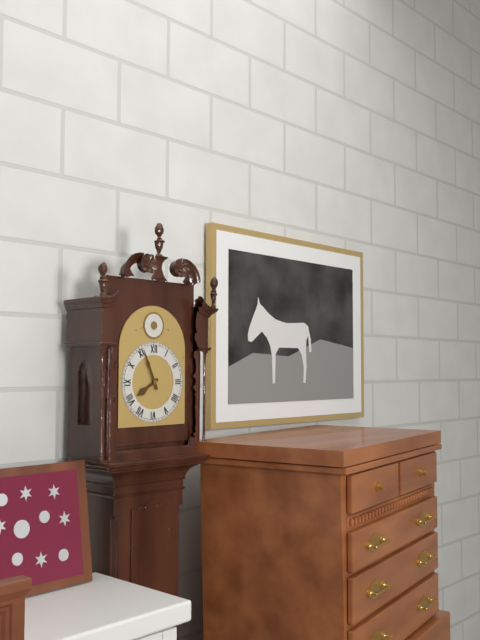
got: h=7 m=56
